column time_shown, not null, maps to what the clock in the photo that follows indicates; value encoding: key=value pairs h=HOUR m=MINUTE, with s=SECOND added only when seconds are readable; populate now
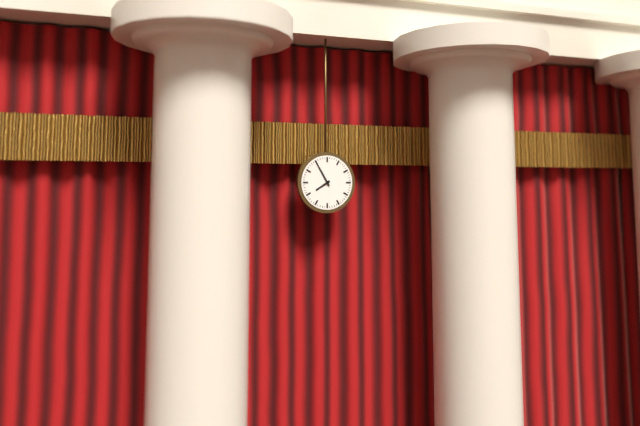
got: h=7 m=55
